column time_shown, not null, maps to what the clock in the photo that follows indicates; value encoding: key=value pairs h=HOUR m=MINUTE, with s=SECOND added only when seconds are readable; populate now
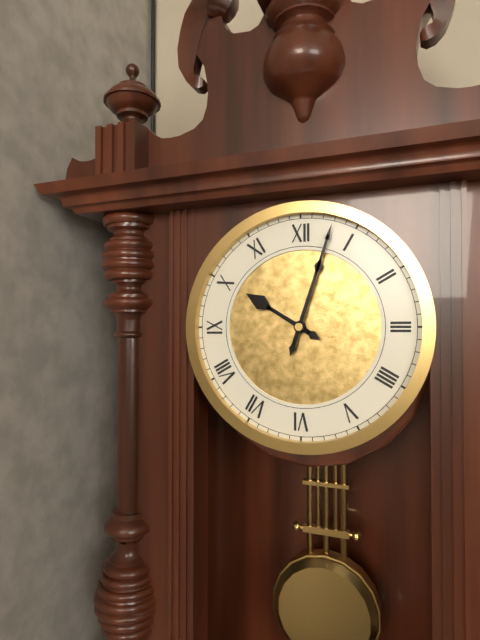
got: h=10 m=3
